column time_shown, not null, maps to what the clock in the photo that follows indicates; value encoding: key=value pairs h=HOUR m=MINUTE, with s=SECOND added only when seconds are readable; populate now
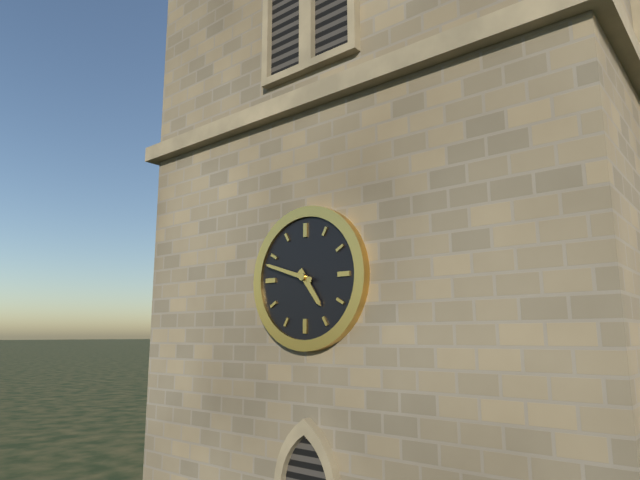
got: h=4 m=48
